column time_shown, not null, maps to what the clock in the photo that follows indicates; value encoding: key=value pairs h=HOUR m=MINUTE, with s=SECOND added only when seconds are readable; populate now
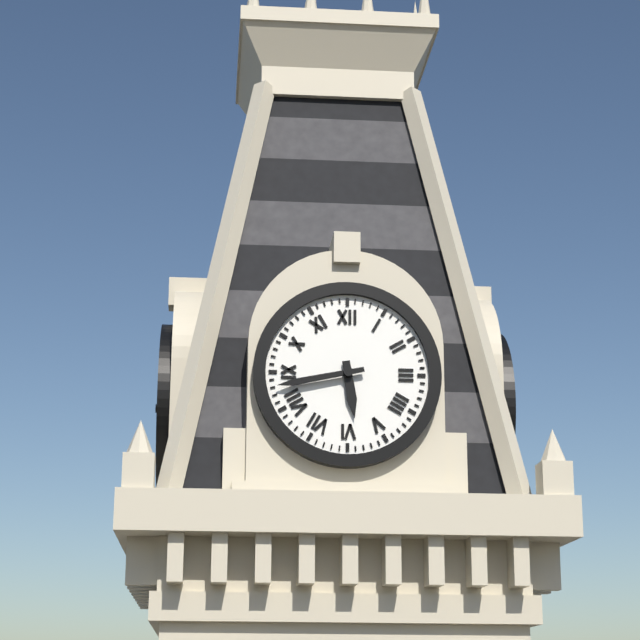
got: h=5 m=43
